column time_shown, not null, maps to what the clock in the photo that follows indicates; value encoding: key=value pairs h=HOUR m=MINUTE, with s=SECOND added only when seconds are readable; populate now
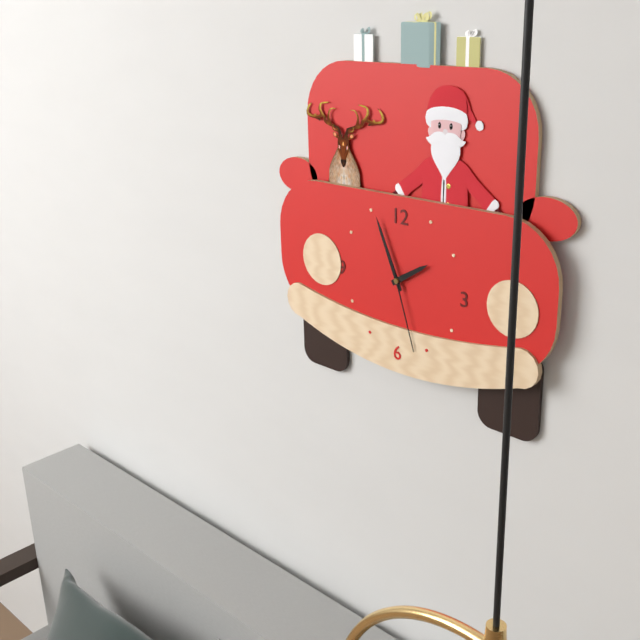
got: h=1 m=56 s=27
